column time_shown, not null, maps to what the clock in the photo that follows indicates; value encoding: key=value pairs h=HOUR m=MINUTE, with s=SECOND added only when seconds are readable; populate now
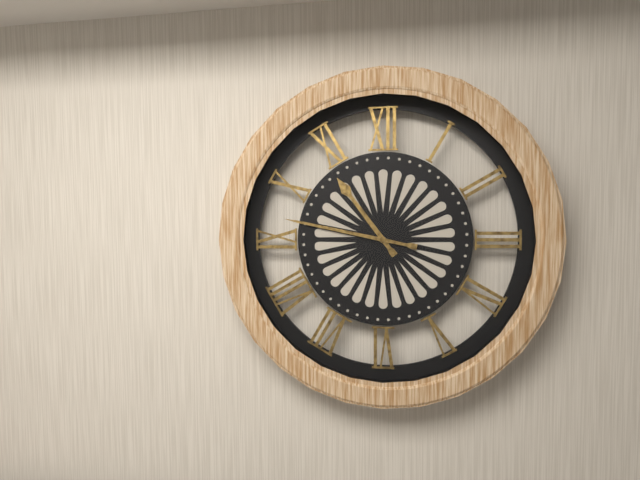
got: h=10 m=47
